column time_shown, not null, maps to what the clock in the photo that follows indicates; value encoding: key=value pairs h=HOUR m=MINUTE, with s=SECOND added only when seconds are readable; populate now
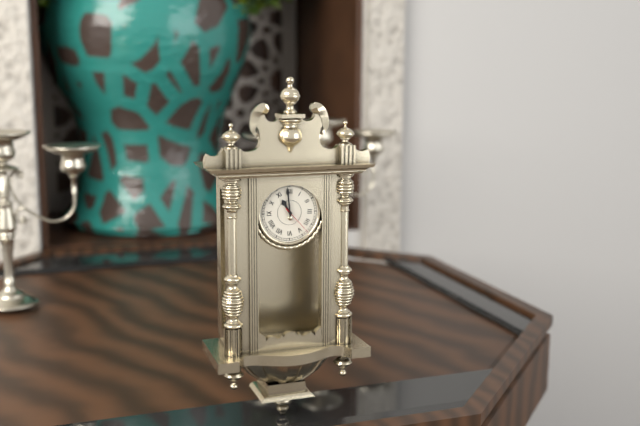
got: h=10 m=59
